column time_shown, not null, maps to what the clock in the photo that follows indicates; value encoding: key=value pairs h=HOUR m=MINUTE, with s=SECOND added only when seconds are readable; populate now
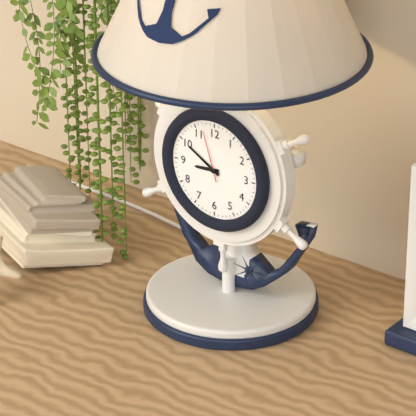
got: h=8 m=50 s=57
